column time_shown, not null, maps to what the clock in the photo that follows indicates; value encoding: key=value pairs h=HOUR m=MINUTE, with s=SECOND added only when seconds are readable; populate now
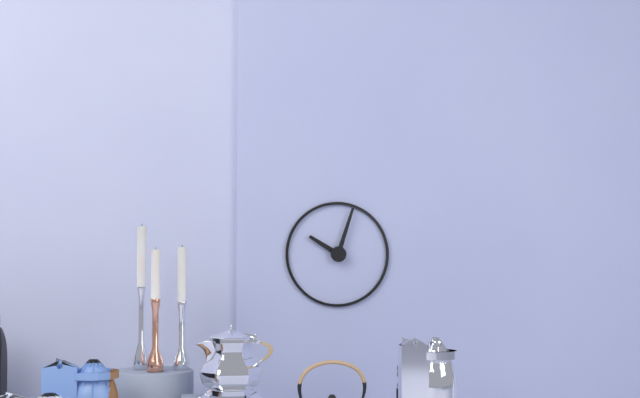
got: h=10 m=3
